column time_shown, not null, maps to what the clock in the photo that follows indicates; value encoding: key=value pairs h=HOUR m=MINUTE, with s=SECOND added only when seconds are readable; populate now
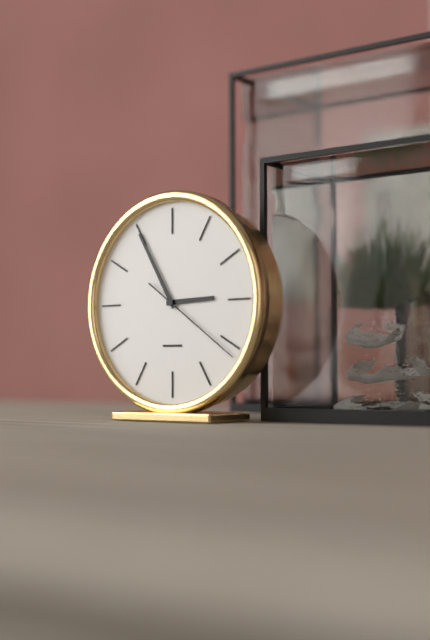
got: h=2 m=55 s=21
